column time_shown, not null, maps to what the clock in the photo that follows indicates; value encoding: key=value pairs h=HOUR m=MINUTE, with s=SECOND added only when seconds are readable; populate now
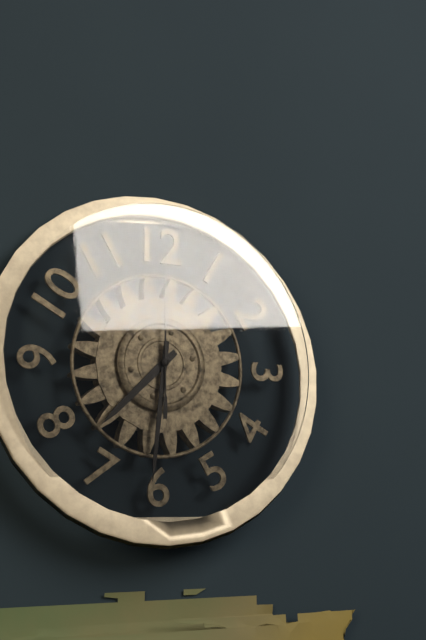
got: h=7 m=31 s=0
